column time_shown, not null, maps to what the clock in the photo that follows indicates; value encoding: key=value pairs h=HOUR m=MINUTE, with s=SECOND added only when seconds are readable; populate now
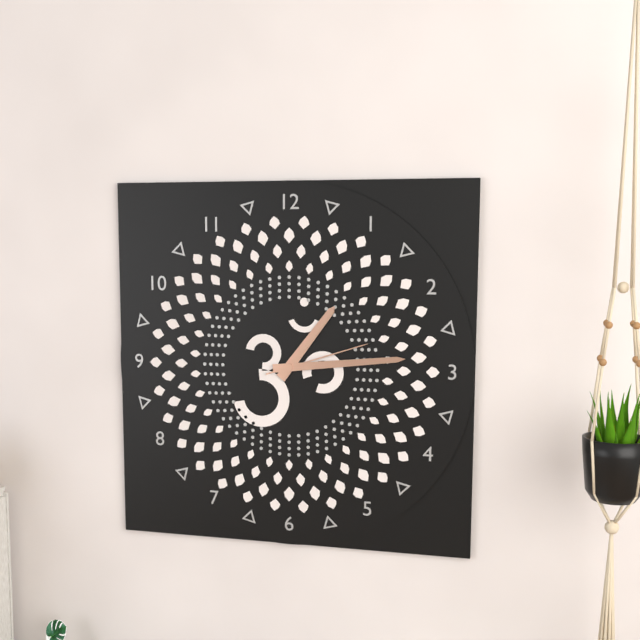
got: h=1 m=14 s=12
